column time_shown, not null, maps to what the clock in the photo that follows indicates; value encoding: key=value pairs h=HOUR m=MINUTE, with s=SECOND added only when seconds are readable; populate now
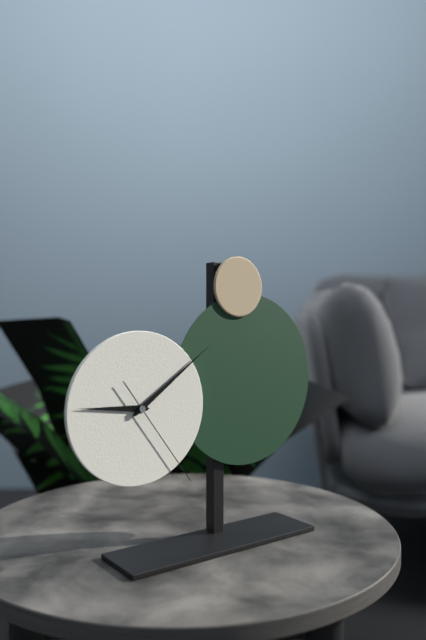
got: h=9 m=9 s=24
